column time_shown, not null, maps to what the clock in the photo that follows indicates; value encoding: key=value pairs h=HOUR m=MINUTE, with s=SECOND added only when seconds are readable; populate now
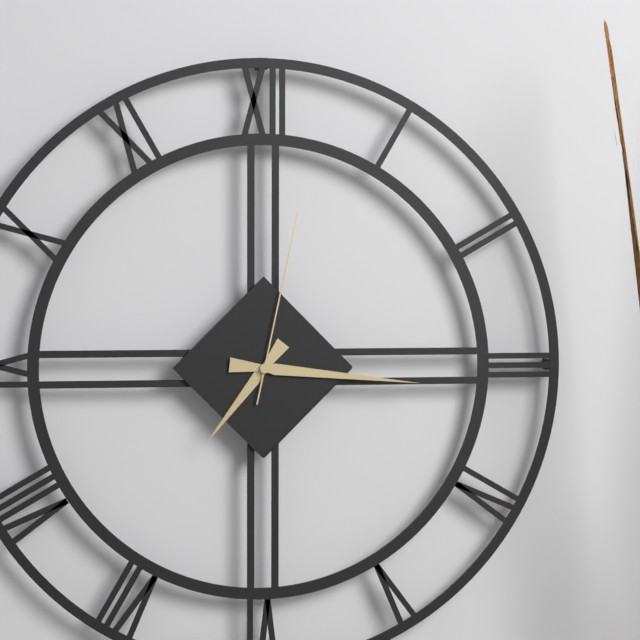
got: h=7 m=16 s=2
